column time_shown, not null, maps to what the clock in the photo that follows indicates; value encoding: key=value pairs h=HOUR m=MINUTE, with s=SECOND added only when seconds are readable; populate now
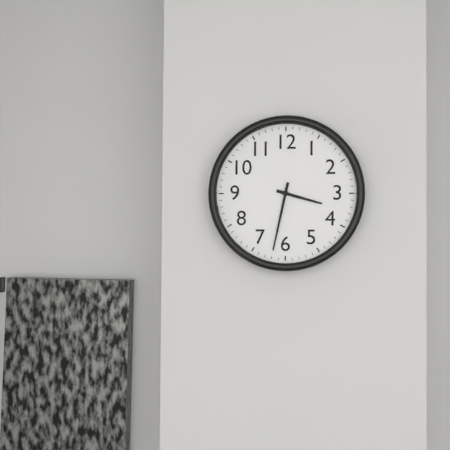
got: h=3 m=32
